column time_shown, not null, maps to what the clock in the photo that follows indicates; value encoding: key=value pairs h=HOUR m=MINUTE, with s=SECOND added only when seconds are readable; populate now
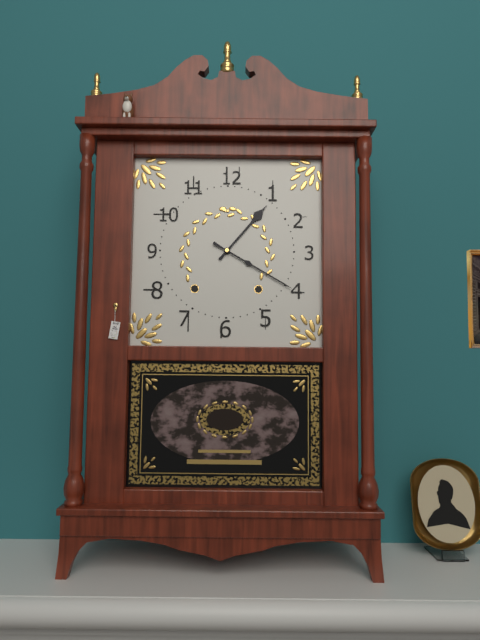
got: h=1 m=20
